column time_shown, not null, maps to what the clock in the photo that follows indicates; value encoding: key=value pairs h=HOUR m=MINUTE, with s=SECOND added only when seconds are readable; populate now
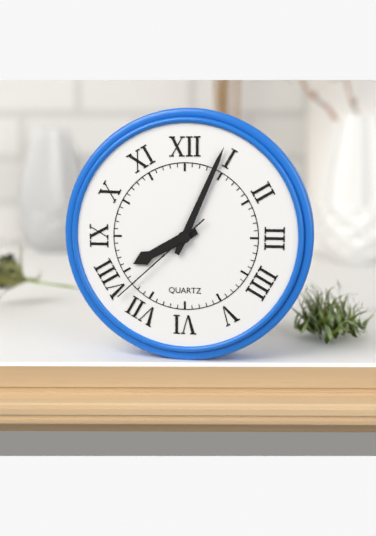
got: h=8 m=4 s=38
